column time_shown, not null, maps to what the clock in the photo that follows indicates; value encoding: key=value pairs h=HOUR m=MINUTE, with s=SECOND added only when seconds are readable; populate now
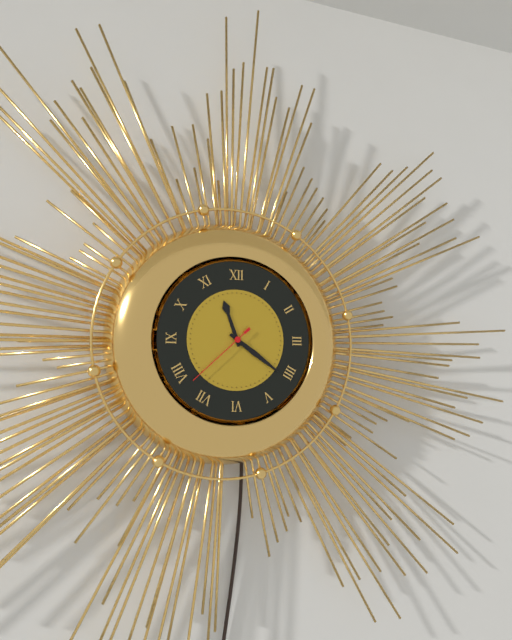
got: h=11 m=21 s=38
